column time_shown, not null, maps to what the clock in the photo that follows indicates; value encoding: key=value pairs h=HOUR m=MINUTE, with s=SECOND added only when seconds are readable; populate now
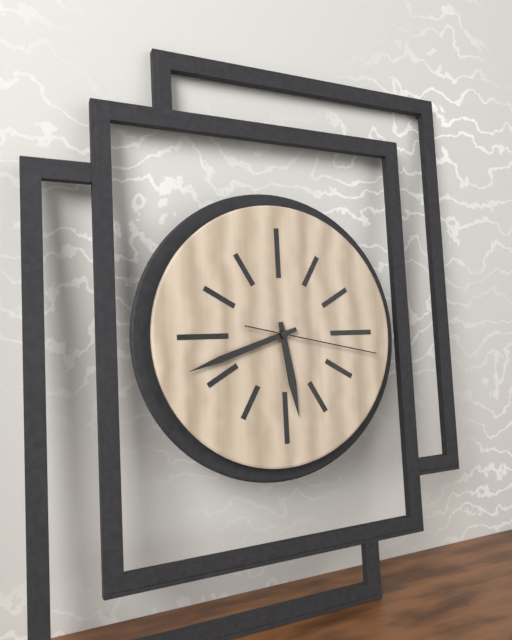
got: h=5 m=42 s=17
